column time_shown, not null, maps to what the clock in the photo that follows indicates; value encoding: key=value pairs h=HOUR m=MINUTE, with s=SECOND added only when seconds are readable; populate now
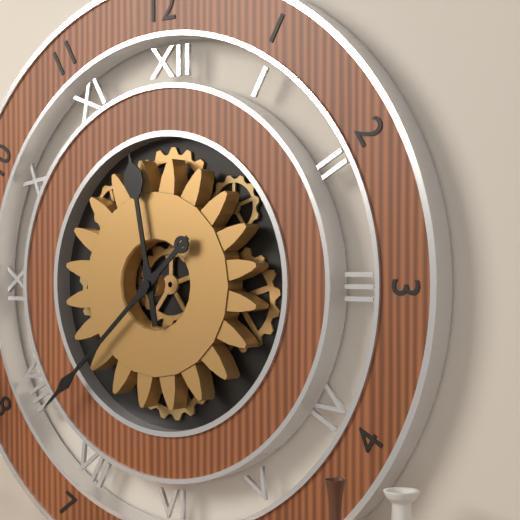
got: h=11 m=38
